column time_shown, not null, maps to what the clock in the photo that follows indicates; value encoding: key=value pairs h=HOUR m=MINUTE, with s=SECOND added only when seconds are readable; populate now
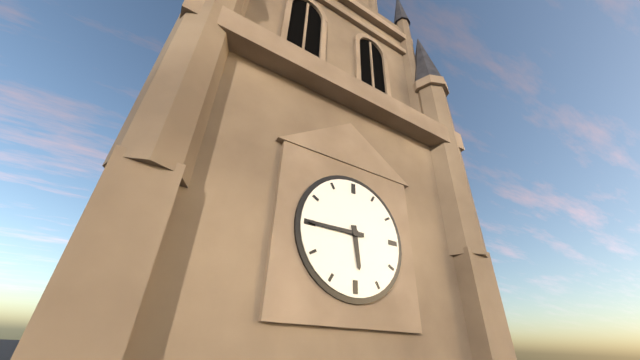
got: h=5 m=45
